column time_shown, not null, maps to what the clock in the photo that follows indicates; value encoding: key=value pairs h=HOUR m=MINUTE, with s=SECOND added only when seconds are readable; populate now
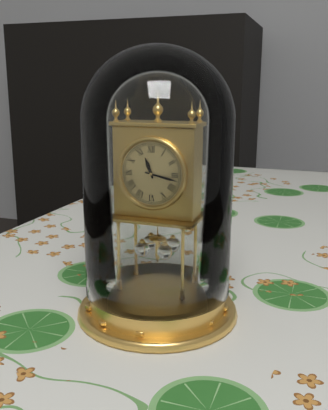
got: h=11 m=17
